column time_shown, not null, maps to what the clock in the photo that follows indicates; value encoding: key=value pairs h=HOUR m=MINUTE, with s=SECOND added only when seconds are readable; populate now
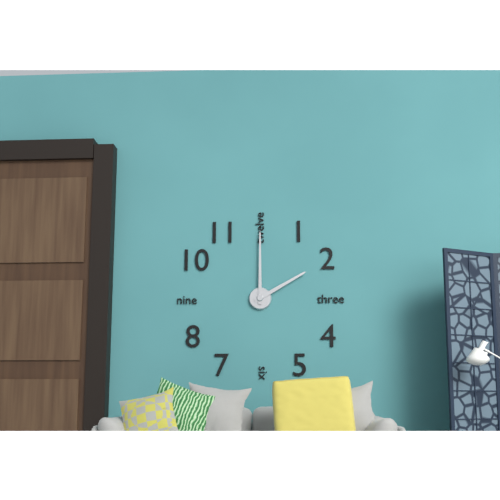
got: h=2 m=0
